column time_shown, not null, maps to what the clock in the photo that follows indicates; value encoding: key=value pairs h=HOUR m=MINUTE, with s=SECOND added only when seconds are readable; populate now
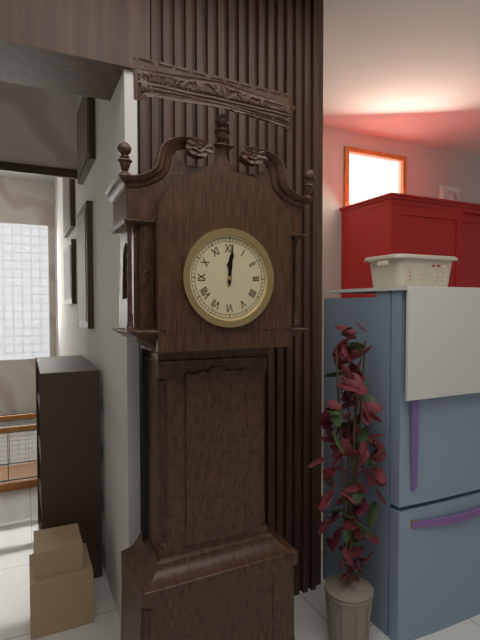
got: h=12 m=1
